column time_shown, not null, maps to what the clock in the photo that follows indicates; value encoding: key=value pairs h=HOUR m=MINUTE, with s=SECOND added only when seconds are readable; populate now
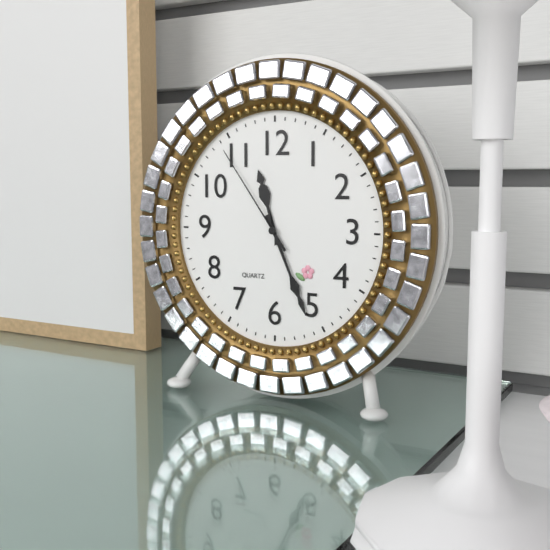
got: h=11 m=26 s=54
